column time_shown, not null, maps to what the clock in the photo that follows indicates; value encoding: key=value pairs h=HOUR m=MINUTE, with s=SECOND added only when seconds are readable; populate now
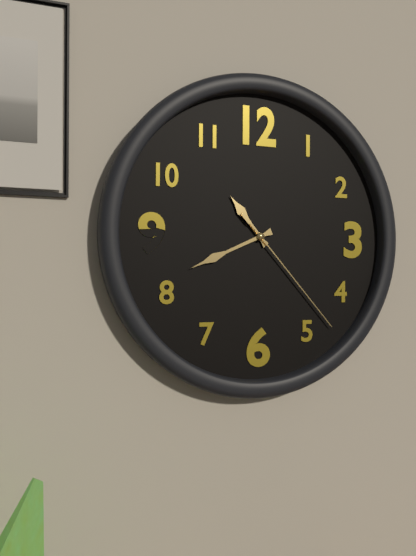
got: h=10 m=41 s=23
